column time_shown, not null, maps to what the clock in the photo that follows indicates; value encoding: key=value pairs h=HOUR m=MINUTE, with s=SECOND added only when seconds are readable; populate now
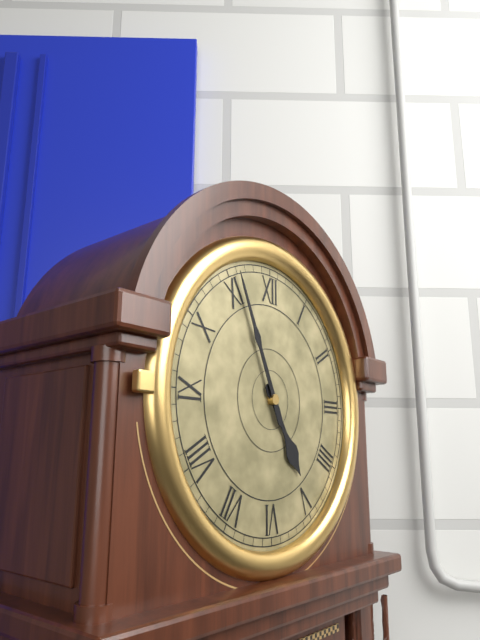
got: h=4 m=56
